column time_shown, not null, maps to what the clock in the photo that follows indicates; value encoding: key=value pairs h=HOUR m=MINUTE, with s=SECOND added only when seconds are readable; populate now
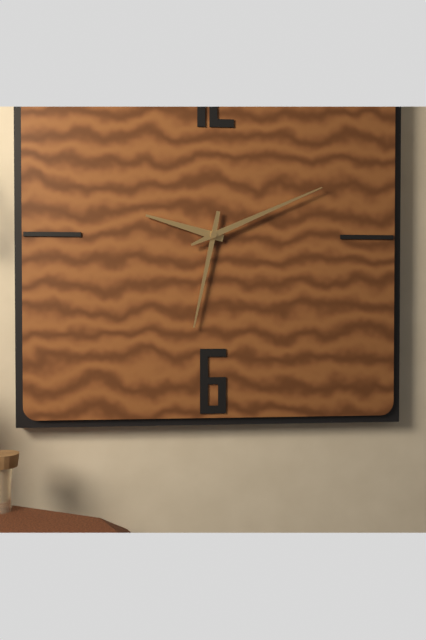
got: h=9 m=32 s=11
